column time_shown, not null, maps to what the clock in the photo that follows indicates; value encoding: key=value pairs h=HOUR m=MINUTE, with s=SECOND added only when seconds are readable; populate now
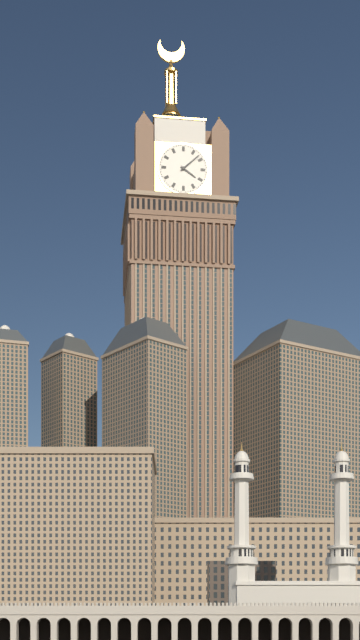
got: h=4 m=8
